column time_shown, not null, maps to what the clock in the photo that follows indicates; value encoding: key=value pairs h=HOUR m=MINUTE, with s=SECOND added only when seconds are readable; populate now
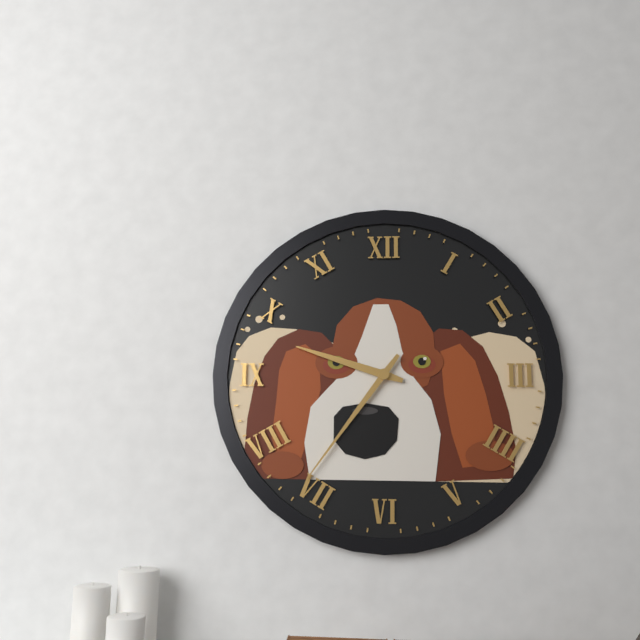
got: h=9 m=36
